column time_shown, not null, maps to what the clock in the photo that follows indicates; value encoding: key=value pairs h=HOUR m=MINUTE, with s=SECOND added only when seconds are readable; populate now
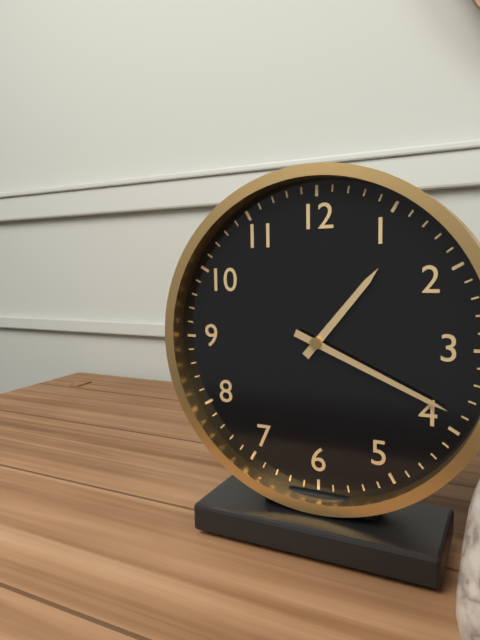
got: h=1 m=19
